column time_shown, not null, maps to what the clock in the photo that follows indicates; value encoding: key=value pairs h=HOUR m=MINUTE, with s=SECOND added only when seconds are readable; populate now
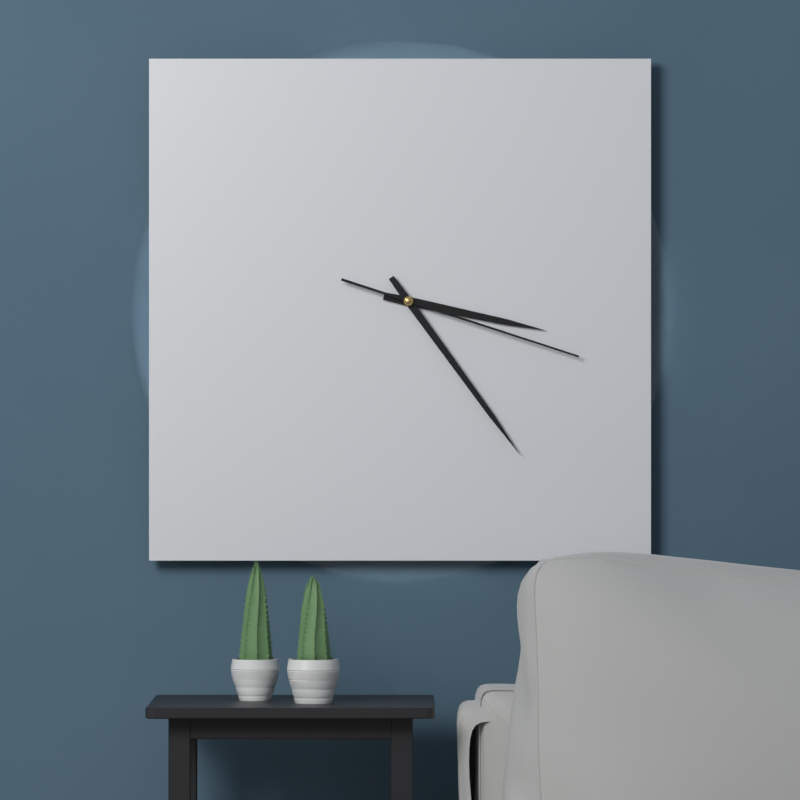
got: h=3 m=24 s=18
